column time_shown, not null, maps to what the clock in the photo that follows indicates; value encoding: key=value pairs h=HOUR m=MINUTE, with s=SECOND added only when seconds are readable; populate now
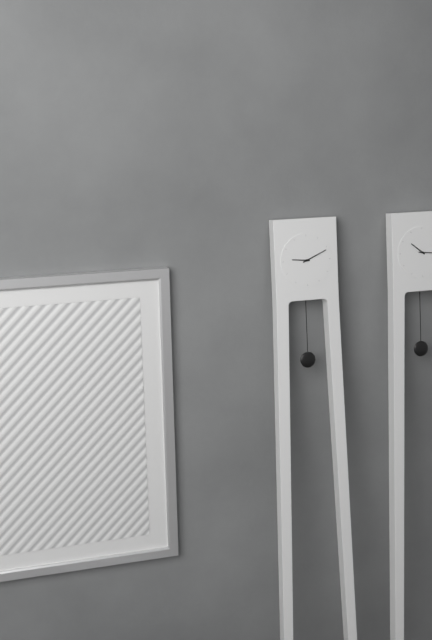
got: h=9 m=11
